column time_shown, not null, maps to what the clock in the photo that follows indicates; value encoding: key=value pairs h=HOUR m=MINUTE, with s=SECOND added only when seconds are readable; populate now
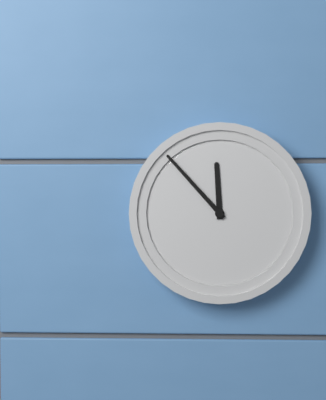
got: h=11 m=53
